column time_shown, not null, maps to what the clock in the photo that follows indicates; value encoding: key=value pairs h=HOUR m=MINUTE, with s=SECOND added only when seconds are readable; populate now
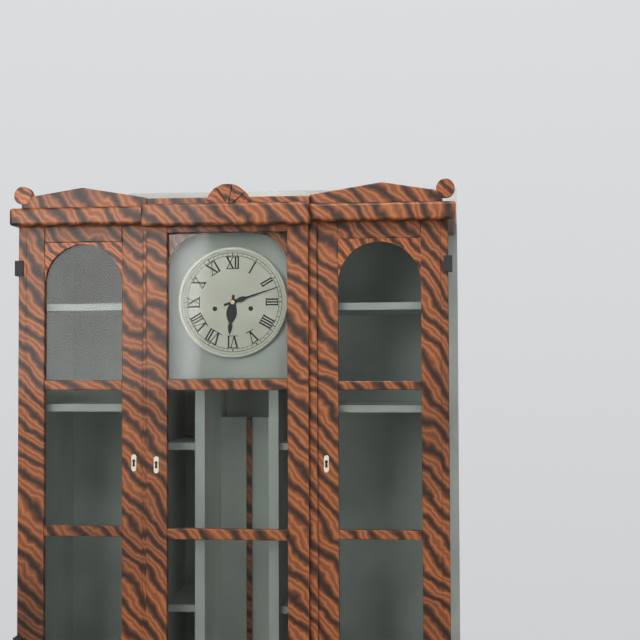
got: h=6 m=12
